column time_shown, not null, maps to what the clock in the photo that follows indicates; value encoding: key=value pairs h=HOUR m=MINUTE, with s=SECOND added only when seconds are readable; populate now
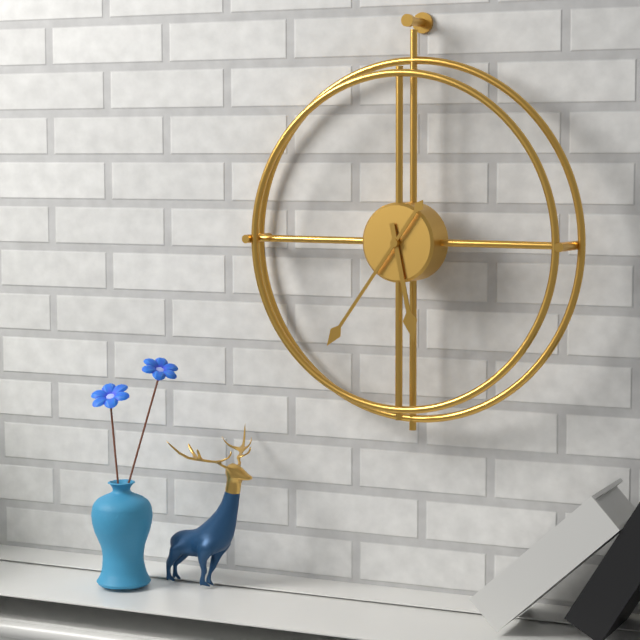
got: h=5 m=36
